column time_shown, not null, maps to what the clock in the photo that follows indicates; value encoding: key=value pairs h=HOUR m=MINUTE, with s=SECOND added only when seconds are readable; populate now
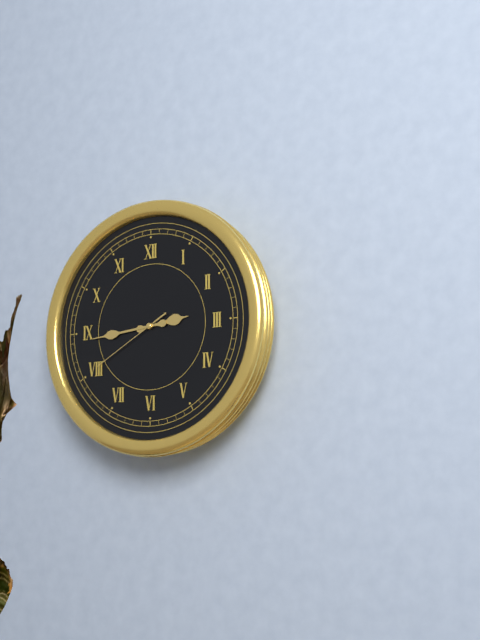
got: h=2 m=44 s=40
